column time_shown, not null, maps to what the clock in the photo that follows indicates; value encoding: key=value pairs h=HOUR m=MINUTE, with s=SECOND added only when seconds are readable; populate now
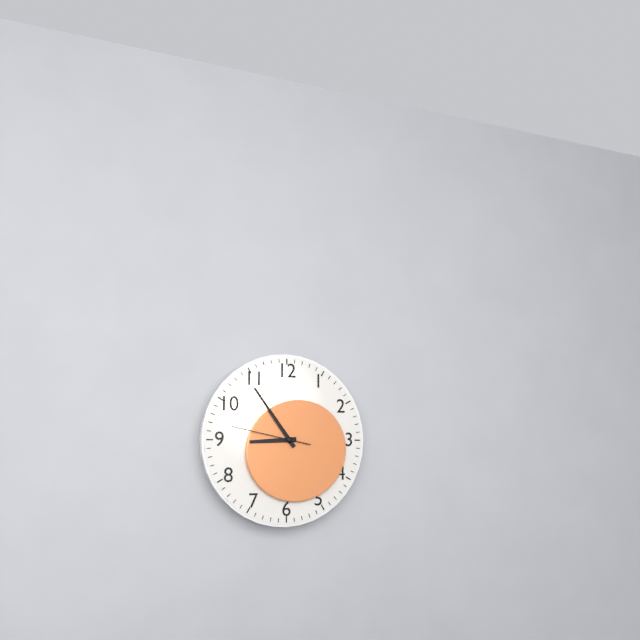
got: h=8 m=54 s=47
